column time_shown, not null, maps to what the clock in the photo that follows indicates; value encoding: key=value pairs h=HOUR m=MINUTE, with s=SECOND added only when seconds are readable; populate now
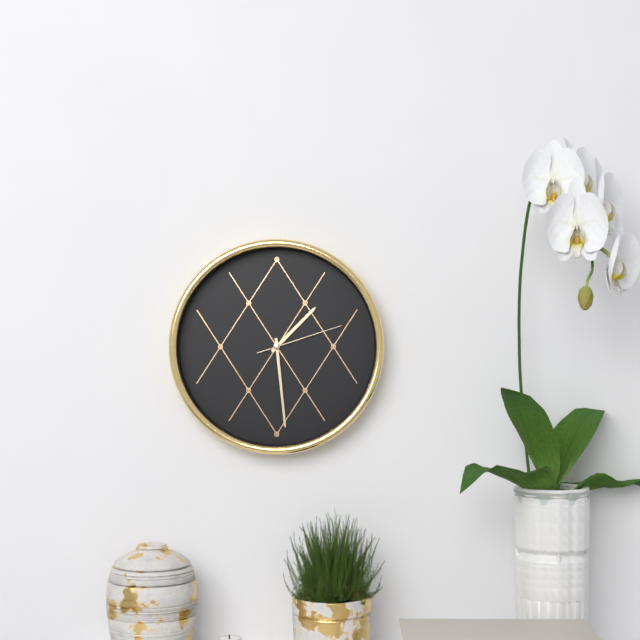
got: h=1 m=29 s=12
